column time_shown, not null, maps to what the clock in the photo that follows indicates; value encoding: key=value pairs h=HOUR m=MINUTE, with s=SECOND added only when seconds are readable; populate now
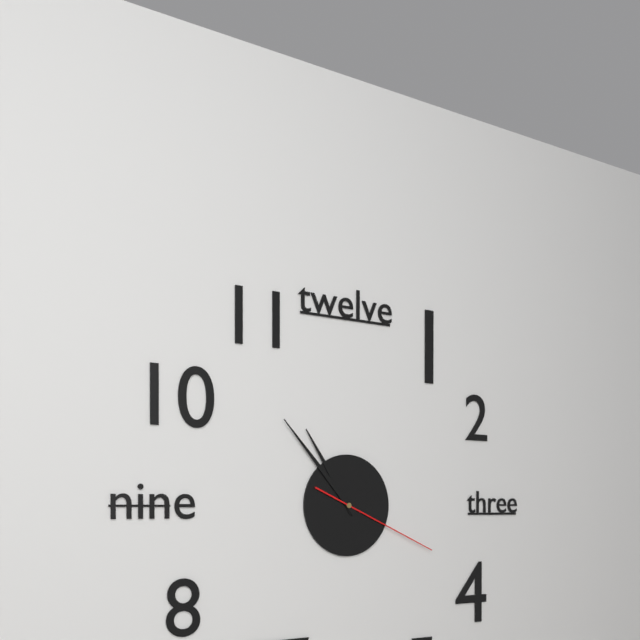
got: h=10 m=53 s=19
